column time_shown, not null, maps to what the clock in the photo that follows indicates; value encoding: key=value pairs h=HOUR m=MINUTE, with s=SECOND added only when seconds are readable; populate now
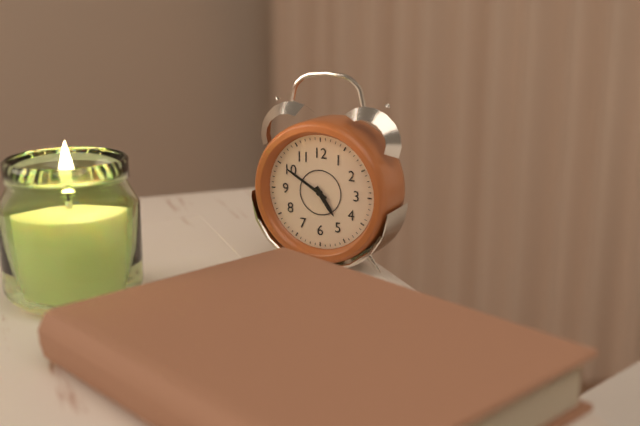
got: h=4 m=50
